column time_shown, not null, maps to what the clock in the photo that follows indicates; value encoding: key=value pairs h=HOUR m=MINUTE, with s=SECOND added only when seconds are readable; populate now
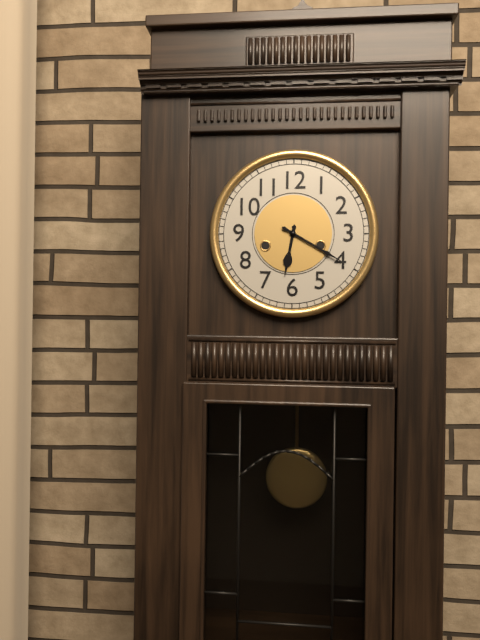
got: h=6 m=20
